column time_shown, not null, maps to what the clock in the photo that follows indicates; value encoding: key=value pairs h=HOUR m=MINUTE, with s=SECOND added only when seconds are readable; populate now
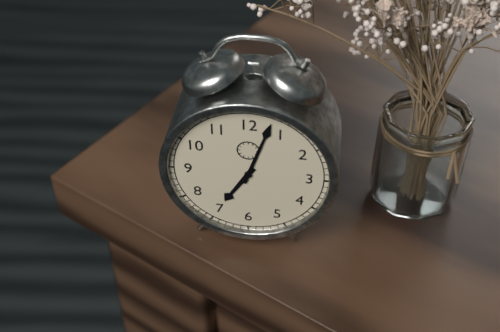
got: h=7 m=3
